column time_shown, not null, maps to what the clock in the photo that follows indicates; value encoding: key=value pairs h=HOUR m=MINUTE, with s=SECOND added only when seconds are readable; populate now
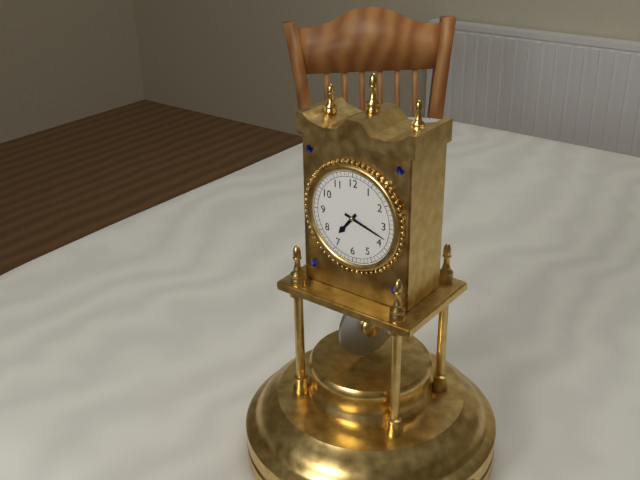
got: h=7 m=18
